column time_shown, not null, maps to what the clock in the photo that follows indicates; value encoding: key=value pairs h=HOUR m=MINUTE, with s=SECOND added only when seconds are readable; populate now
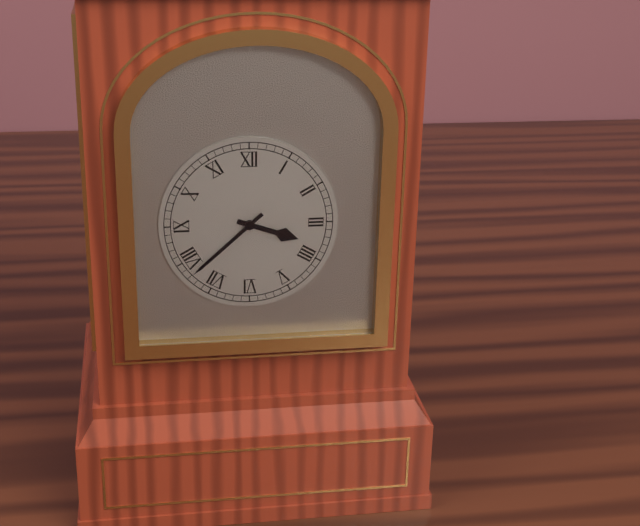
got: h=3 m=38
